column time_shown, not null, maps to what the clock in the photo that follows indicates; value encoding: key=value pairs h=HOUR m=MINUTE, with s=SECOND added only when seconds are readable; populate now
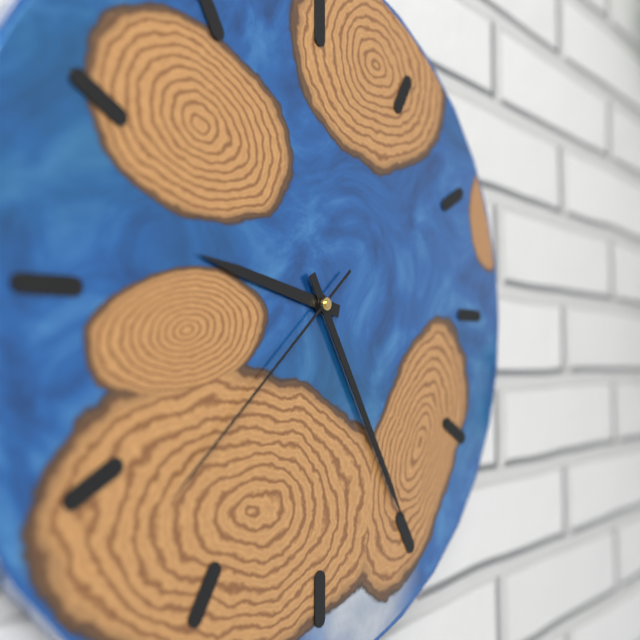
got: h=9 m=25 s=38
